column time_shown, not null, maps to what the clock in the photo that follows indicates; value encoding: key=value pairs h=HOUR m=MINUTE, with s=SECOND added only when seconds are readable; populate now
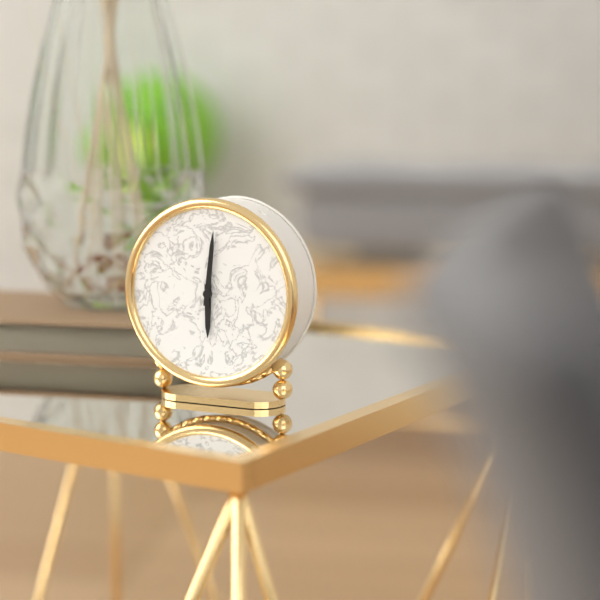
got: h=6 m=1
